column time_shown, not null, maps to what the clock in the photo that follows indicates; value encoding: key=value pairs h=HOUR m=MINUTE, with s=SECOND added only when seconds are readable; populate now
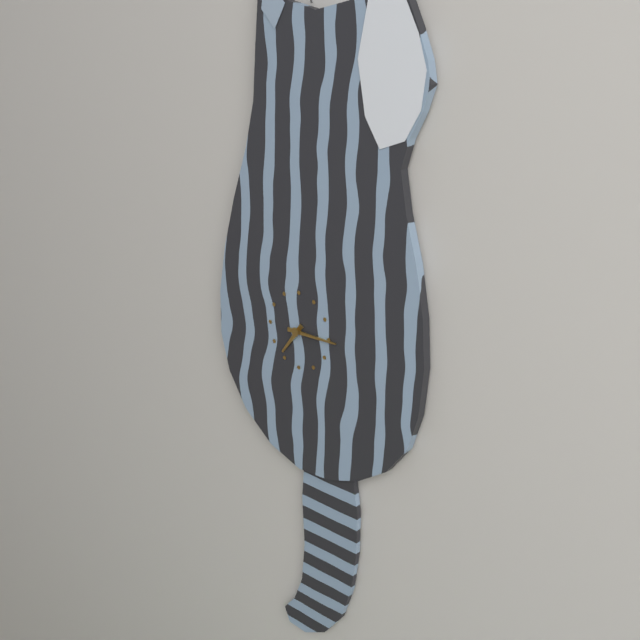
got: h=7 m=15
